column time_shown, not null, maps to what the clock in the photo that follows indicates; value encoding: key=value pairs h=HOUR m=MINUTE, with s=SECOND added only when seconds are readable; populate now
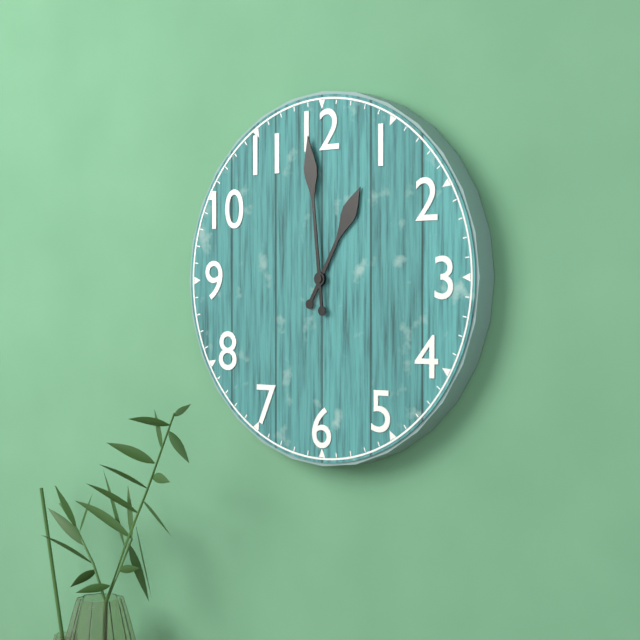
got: h=12 m=59
